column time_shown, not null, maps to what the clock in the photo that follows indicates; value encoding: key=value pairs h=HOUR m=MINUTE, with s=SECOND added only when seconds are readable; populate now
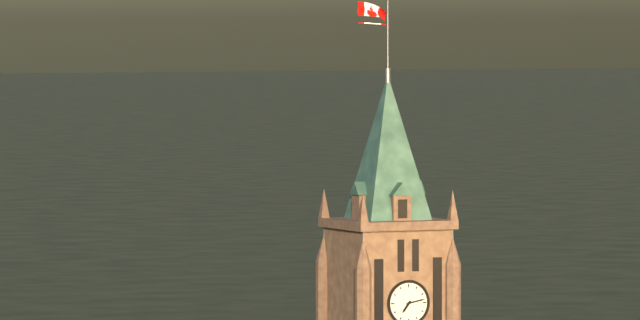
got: h=7 m=13
